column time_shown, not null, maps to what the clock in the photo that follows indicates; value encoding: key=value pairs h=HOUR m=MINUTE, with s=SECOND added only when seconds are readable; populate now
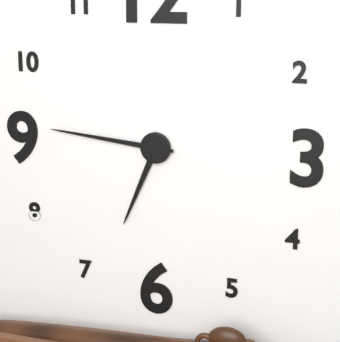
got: h=6 m=46
